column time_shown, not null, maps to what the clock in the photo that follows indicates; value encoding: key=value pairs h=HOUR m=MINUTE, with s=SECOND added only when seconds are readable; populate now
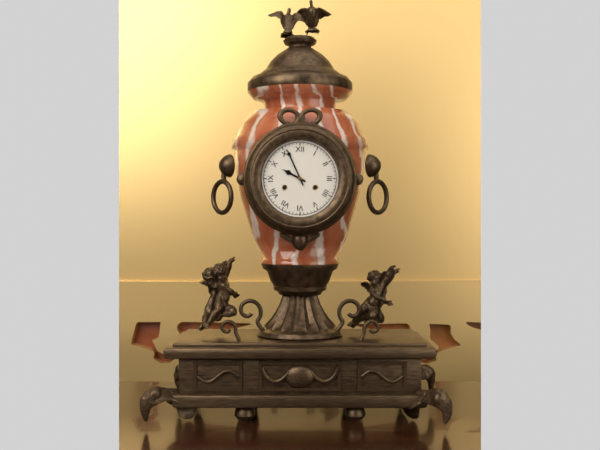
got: h=9 m=56
